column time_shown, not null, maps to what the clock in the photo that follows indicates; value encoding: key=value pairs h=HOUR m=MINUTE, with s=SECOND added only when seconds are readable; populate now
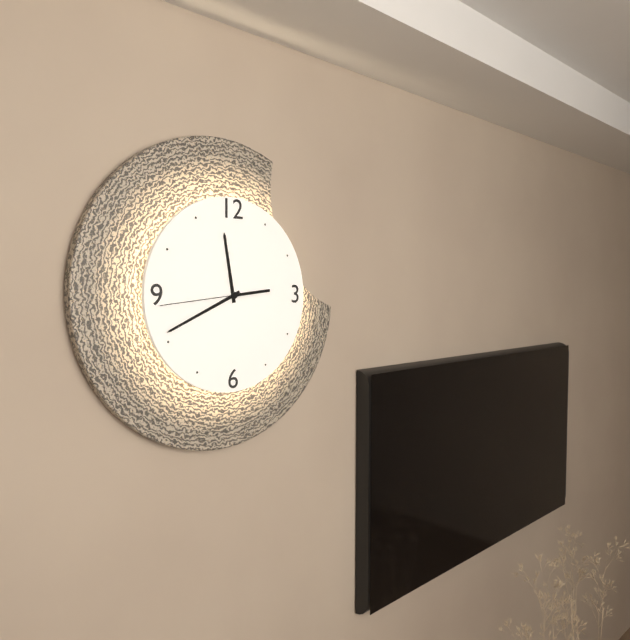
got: h=11 m=41 s=44
